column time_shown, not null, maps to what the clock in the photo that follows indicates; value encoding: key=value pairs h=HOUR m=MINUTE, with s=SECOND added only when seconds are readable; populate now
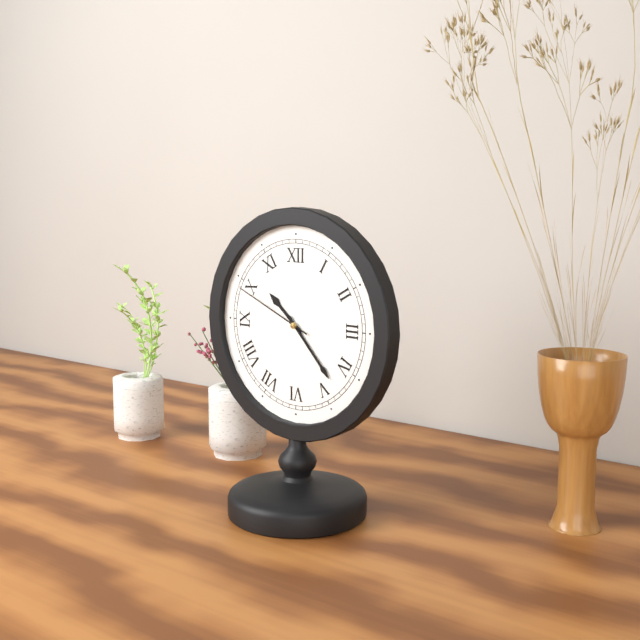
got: h=10 m=23 s=49
